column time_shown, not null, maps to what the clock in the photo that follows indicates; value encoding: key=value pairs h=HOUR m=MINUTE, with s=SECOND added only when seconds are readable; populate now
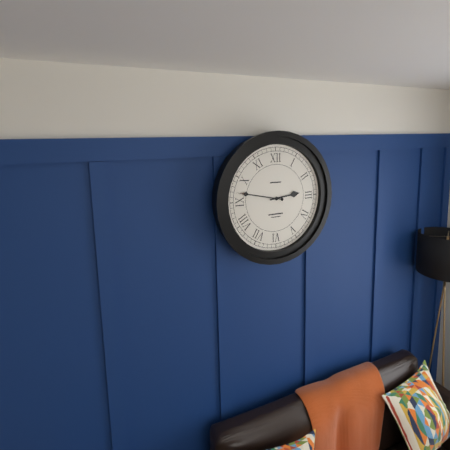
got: h=2 m=47
